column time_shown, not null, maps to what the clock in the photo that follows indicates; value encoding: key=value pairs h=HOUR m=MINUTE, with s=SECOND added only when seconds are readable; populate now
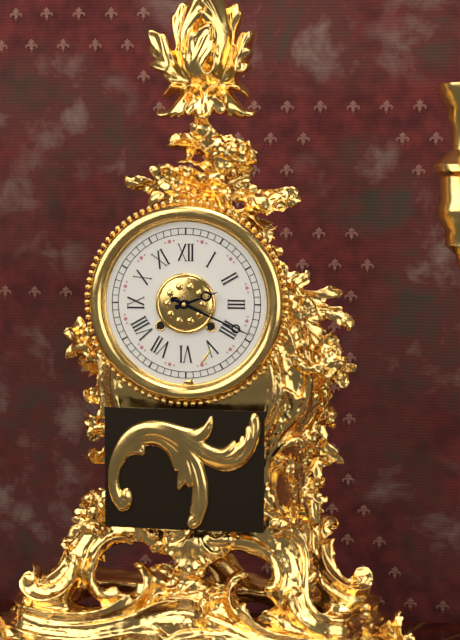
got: h=2 m=19
